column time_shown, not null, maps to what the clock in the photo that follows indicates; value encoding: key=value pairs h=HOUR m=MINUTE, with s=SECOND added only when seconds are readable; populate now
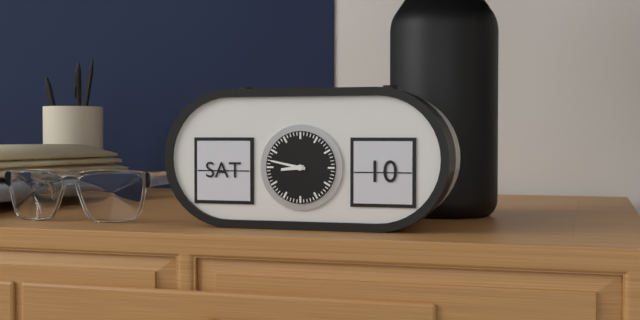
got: h=8 m=47
